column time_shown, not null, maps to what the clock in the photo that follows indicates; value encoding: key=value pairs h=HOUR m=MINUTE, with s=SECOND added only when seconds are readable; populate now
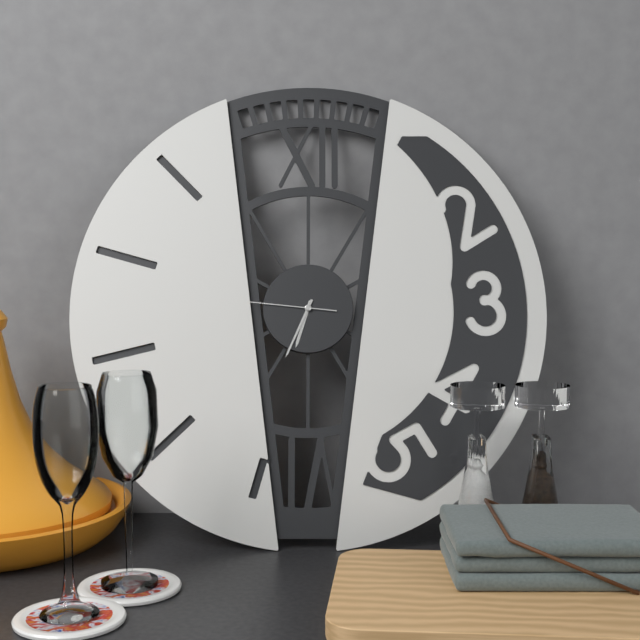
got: h=6 m=34 s=46
